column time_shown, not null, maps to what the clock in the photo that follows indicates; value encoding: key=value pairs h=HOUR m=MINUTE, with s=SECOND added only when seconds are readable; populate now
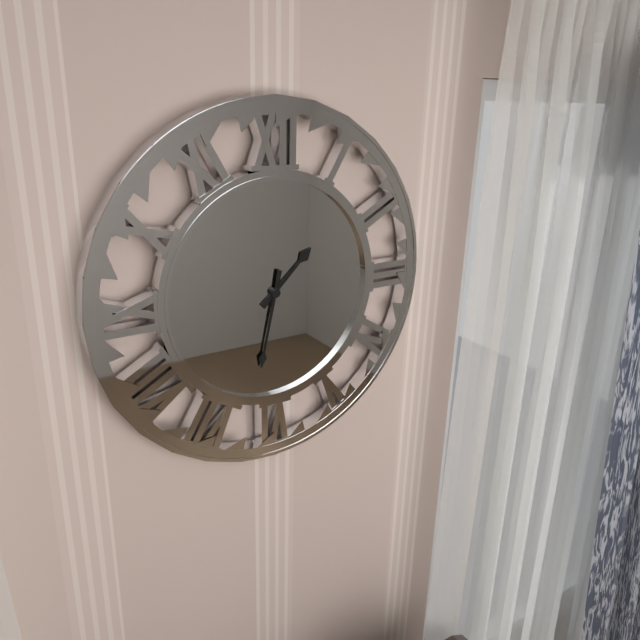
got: h=1 m=32
